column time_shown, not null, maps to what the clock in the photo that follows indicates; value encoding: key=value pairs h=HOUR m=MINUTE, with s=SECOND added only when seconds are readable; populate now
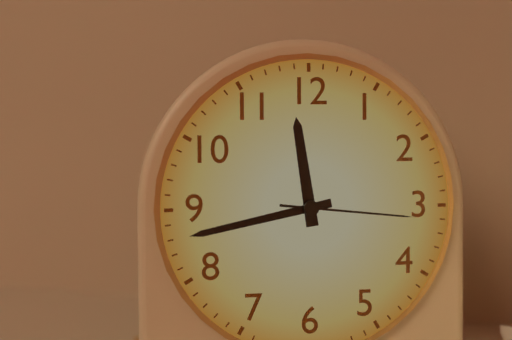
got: h=11 m=43 s=16
